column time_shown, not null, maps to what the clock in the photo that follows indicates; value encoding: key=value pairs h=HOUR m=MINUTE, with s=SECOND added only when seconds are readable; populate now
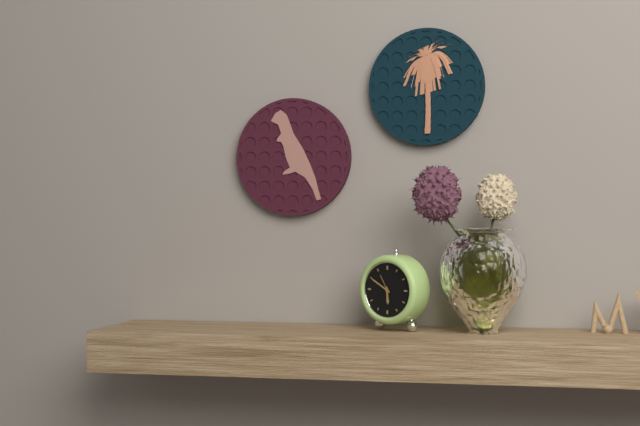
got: h=5 m=50
